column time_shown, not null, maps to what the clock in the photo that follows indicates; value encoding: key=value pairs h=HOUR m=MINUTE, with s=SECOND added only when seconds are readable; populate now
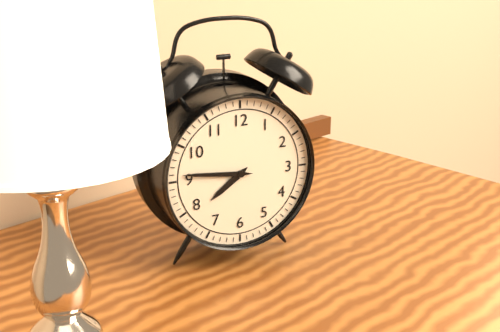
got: h=7 m=46
